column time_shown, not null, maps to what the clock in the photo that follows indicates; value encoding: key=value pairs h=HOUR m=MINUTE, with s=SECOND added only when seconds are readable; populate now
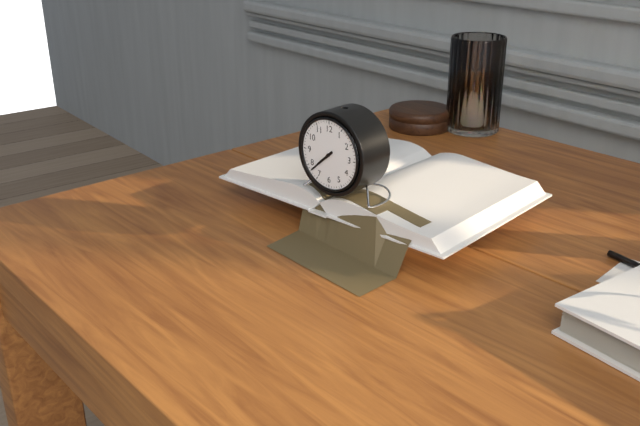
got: h=7 m=38
